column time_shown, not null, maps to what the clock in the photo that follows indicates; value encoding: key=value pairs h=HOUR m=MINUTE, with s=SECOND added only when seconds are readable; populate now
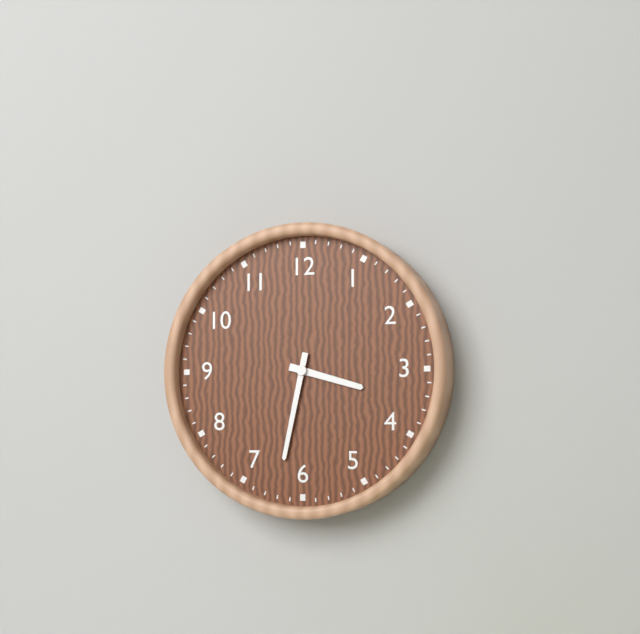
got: h=3 m=32
